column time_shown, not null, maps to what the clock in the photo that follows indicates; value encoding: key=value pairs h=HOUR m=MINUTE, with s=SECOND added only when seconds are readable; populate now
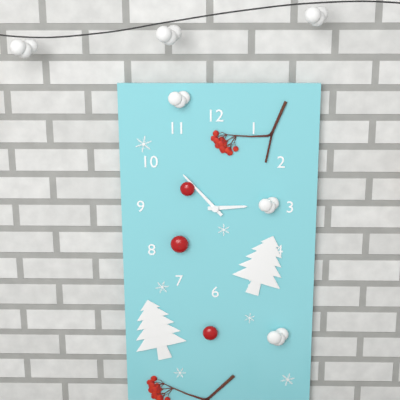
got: h=2 m=53
